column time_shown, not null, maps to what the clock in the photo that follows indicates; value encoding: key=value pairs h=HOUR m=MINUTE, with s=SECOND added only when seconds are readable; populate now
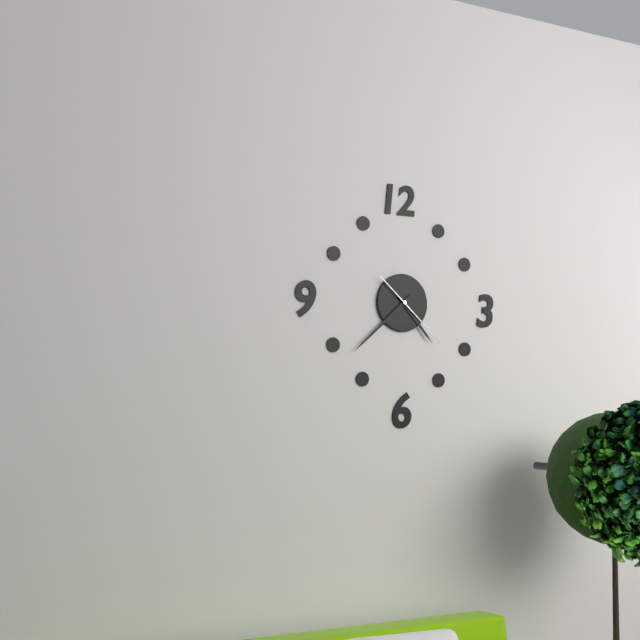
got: h=4 m=38 s=22
